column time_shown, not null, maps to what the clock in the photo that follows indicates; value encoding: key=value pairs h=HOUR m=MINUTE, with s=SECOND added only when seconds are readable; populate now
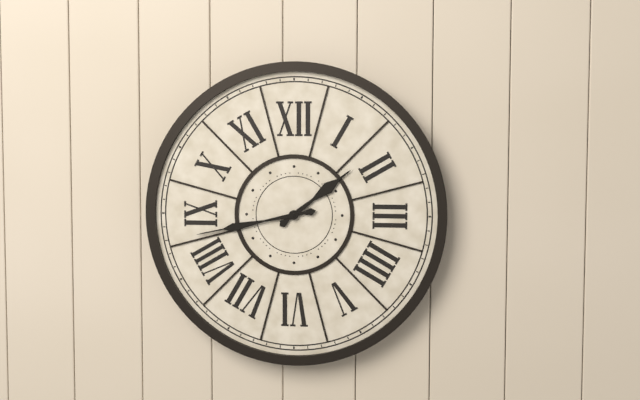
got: h=1 m=43
